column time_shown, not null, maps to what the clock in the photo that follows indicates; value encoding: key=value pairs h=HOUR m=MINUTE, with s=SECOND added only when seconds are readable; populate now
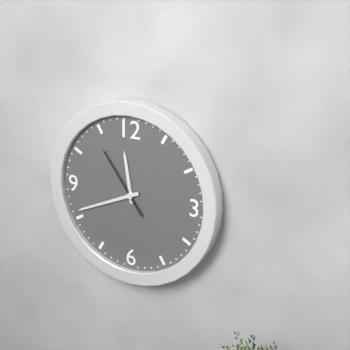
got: h=11 m=41 s=54
